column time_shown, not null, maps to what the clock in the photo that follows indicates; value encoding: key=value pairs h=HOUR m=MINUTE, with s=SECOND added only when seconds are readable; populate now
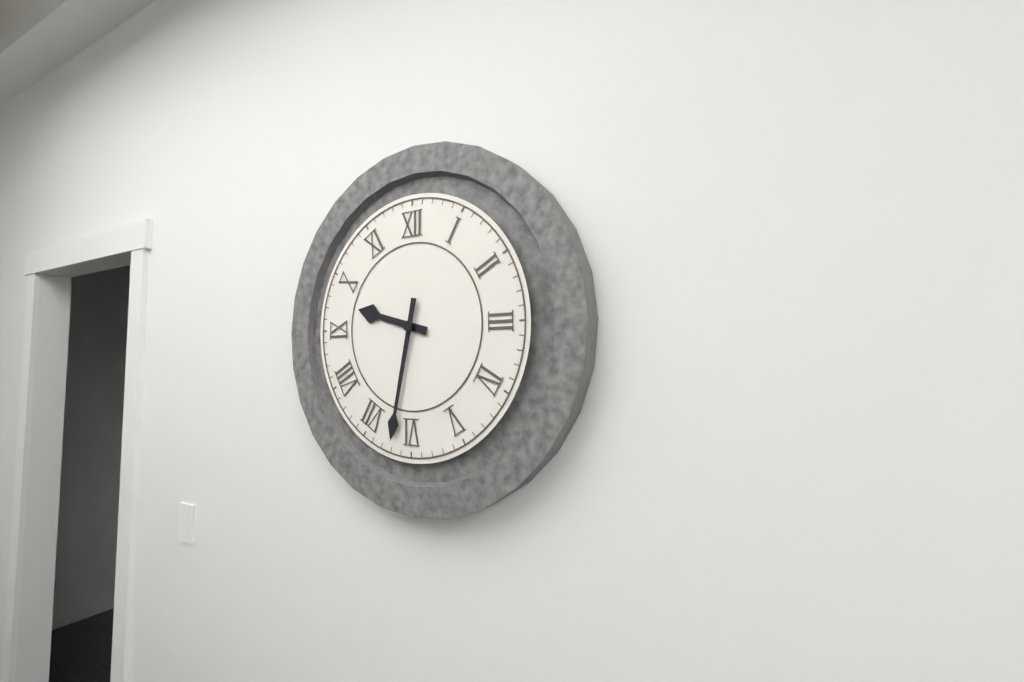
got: h=9 m=32
